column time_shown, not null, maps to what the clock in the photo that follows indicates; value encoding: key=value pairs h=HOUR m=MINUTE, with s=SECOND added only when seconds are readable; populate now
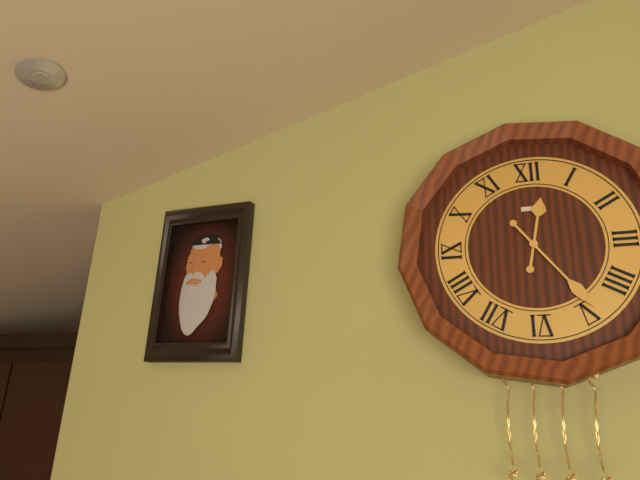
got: h=12 m=24
